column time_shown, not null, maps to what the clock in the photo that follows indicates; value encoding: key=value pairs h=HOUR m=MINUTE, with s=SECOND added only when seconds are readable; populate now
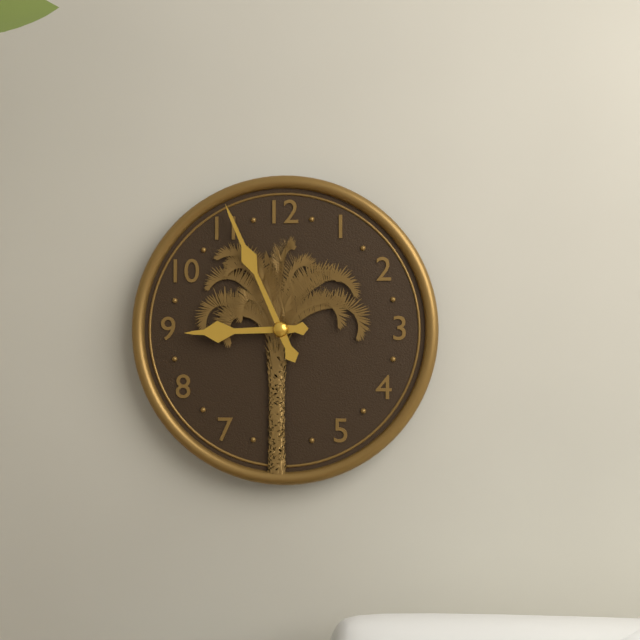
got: h=8 m=56
